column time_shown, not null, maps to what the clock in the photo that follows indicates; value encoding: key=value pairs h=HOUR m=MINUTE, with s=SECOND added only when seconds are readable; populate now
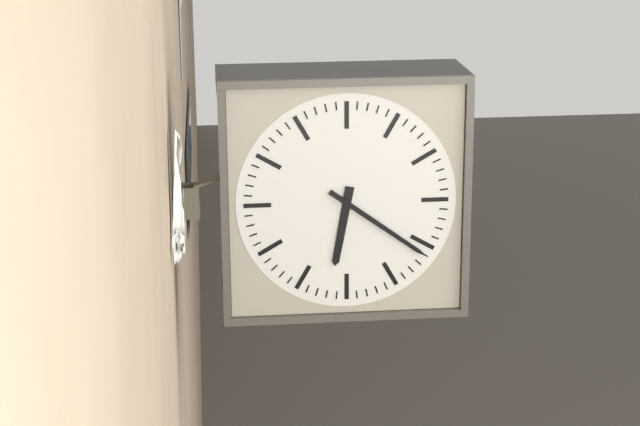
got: h=6 m=21
